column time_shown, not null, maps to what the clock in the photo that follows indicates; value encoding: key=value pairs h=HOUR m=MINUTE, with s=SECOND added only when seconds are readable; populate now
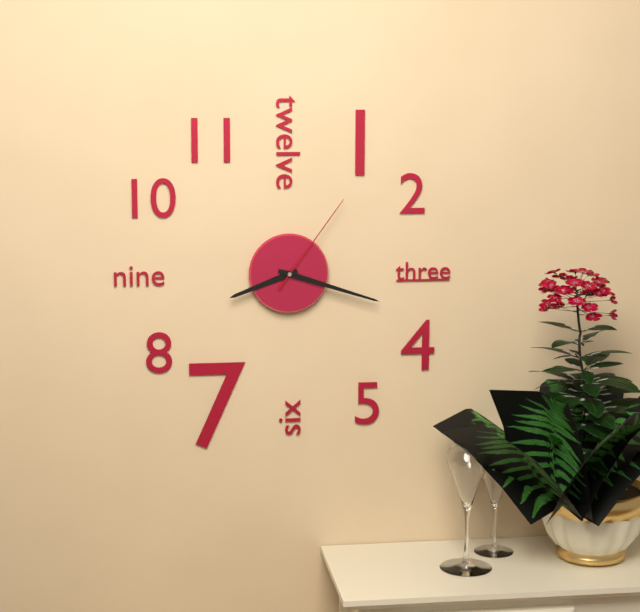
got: h=8 m=18 s=6
